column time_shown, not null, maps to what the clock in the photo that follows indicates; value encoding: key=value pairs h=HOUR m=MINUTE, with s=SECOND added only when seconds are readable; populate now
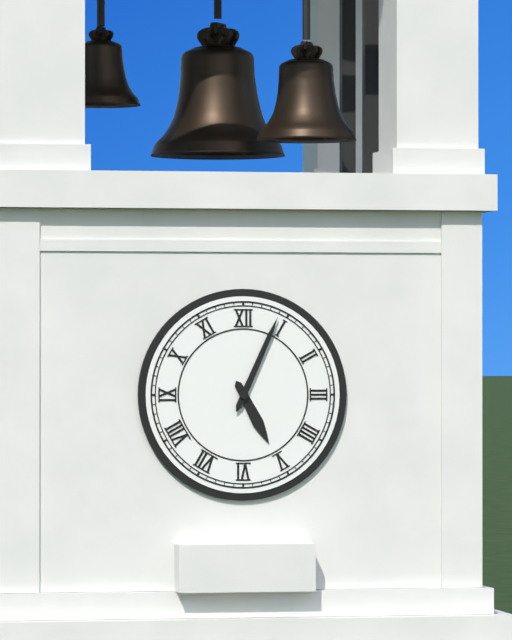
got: h=5 m=4
